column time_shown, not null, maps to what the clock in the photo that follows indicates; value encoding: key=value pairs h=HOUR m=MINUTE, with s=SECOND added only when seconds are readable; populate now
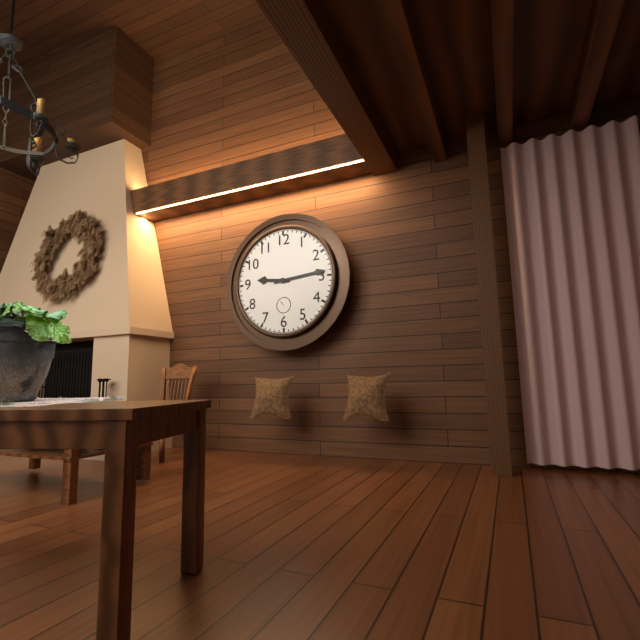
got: h=9 m=14
